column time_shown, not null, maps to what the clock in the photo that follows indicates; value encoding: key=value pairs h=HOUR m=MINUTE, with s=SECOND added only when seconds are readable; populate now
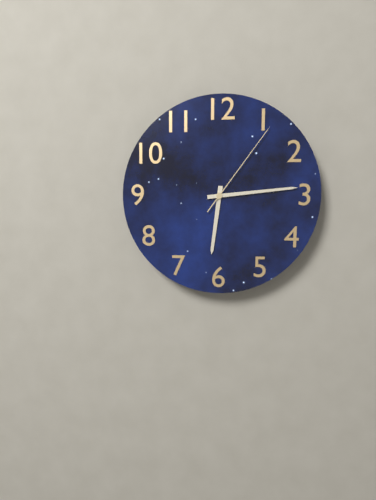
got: h=6 m=14 s=6
